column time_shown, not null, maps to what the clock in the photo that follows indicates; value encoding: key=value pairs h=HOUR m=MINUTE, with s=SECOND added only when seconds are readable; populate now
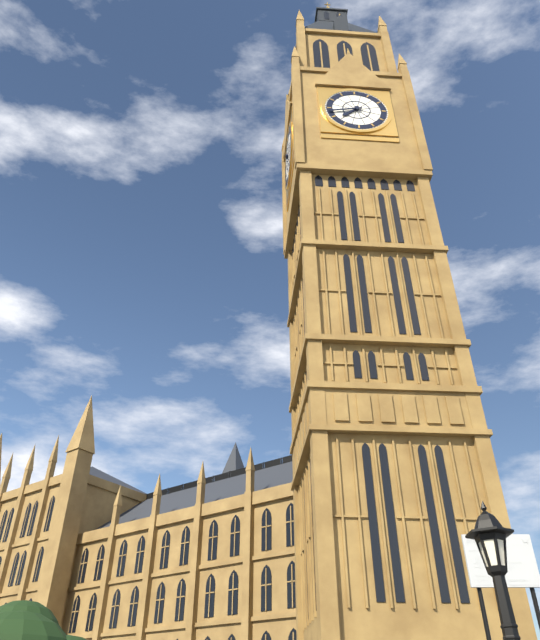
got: h=7 m=43
